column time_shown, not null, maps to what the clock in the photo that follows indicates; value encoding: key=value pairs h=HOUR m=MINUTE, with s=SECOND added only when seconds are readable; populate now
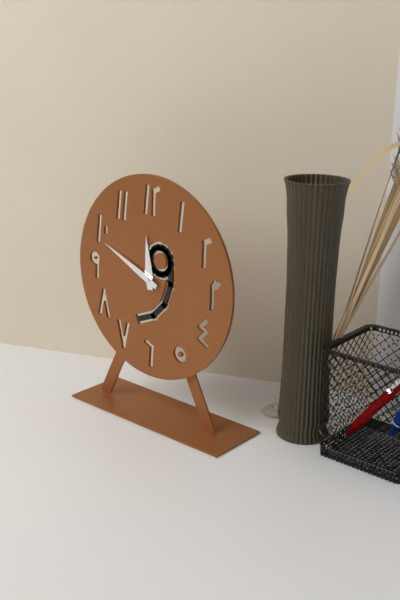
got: h=11 m=49
